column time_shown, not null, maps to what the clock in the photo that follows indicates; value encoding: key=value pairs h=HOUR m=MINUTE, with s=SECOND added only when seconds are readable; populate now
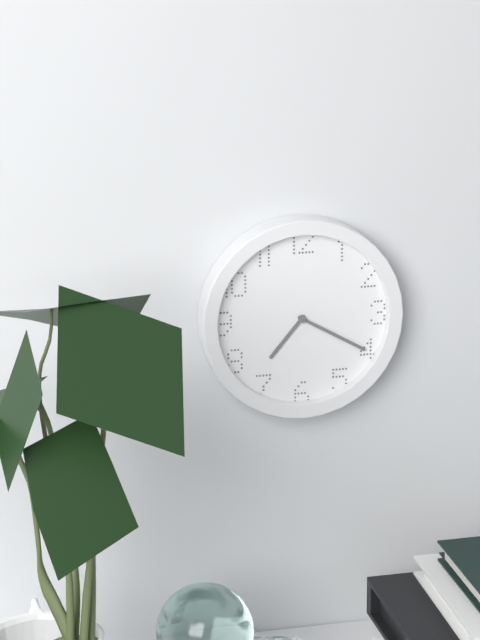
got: h=7 m=20
